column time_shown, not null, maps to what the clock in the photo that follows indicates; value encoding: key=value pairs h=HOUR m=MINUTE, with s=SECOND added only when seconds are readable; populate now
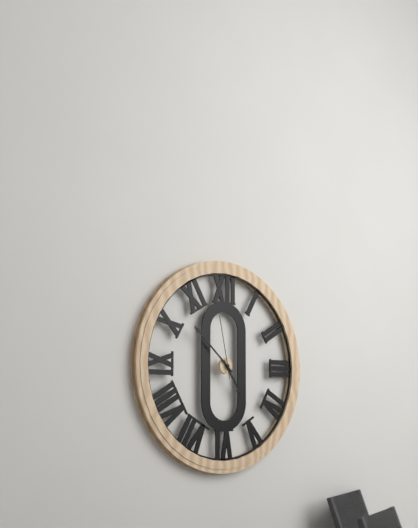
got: h=4 m=52 s=58
